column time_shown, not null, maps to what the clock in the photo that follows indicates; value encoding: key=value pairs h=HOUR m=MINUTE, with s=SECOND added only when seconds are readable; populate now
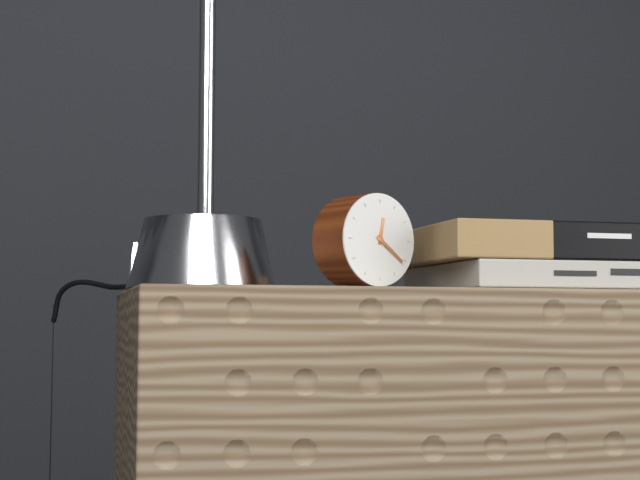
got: h=12 m=21
